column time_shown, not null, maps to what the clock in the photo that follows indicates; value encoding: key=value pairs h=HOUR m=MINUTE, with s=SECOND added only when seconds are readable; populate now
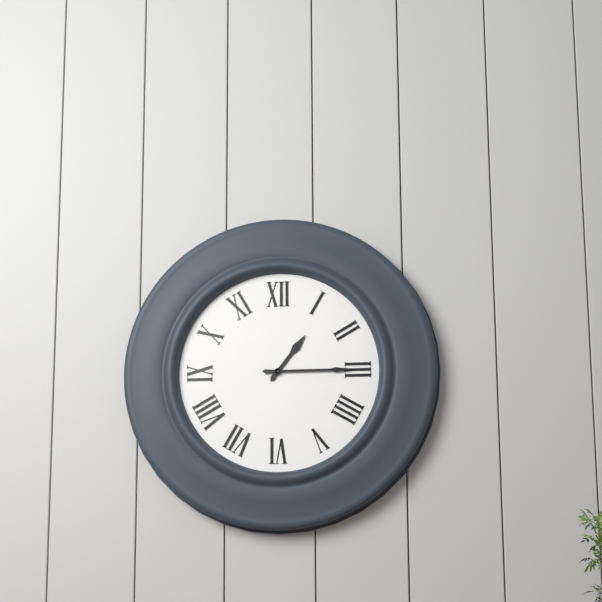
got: h=1 m=15
